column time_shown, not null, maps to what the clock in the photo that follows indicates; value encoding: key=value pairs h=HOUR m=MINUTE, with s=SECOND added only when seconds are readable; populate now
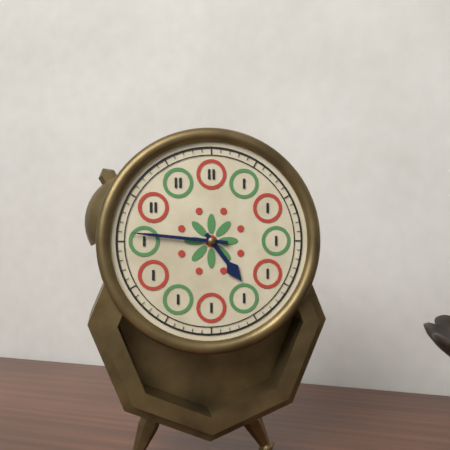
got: h=4 m=46
